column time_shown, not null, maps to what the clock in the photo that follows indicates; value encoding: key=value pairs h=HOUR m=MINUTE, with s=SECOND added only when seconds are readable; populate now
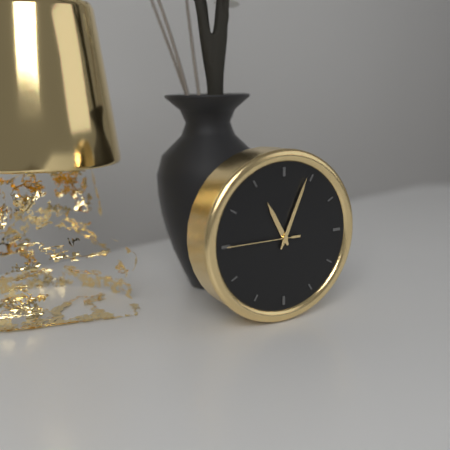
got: h=11 m=4 s=45
